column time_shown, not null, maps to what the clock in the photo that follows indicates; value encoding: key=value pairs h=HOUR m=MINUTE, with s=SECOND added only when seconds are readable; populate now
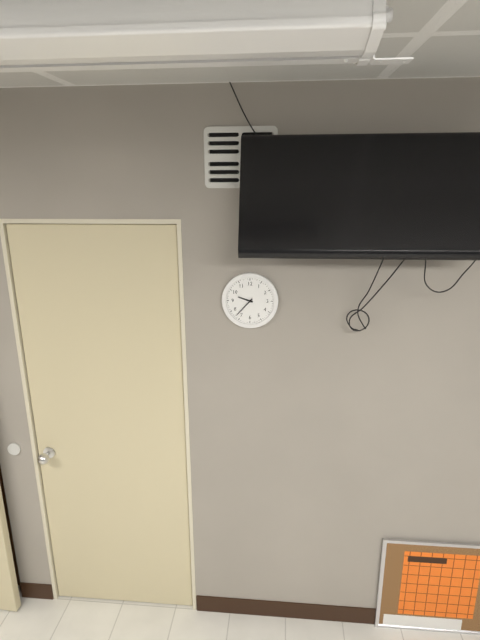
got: h=9 m=37
